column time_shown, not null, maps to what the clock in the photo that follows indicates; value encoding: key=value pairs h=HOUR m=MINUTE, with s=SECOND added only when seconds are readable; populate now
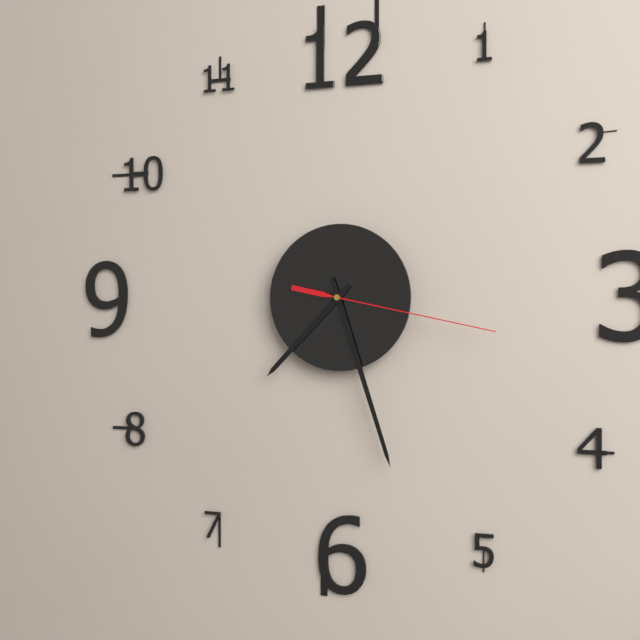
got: h=7 m=27 s=17
